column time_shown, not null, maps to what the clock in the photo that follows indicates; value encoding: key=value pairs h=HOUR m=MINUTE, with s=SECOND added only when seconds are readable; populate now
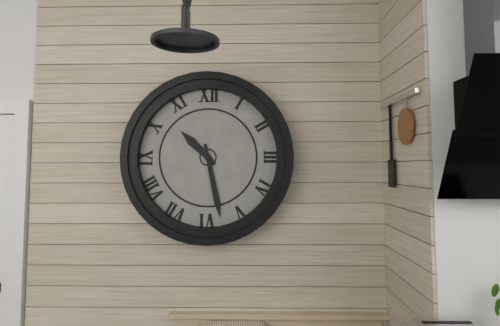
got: h=10 m=28
